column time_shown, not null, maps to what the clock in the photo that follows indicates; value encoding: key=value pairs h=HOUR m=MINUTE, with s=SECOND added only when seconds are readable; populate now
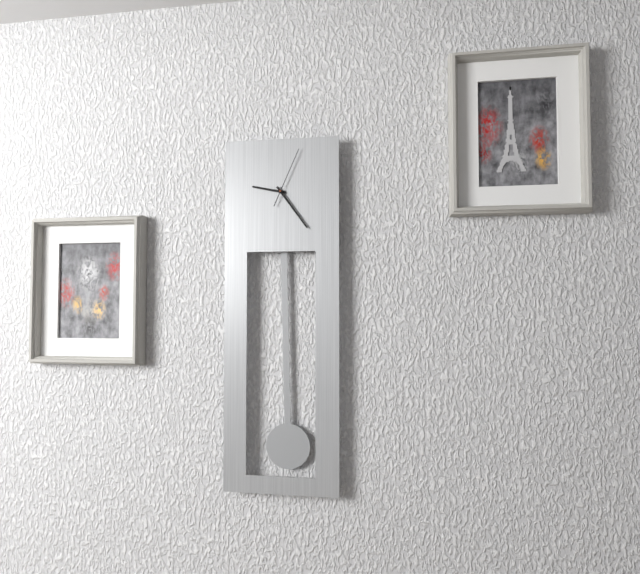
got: h=9 m=24 s=4
